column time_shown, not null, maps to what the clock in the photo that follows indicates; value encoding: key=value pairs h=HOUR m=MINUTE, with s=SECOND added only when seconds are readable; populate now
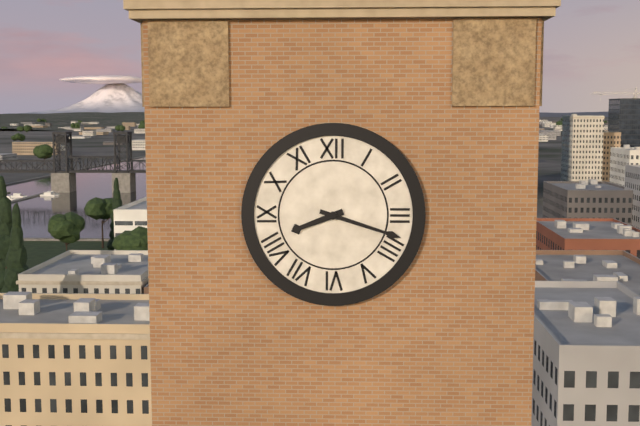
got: h=8 m=18
